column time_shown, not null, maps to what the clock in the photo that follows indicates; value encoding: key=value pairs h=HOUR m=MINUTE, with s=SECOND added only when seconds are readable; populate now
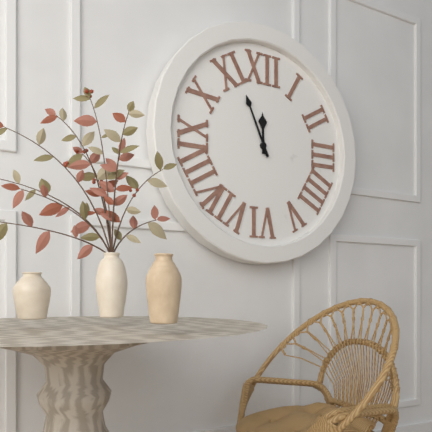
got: h=11 m=56
